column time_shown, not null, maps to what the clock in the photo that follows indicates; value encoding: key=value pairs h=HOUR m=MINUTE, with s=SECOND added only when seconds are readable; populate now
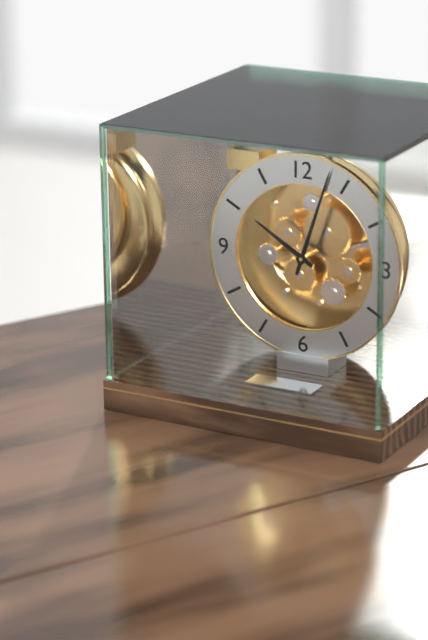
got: h=10 m=3
